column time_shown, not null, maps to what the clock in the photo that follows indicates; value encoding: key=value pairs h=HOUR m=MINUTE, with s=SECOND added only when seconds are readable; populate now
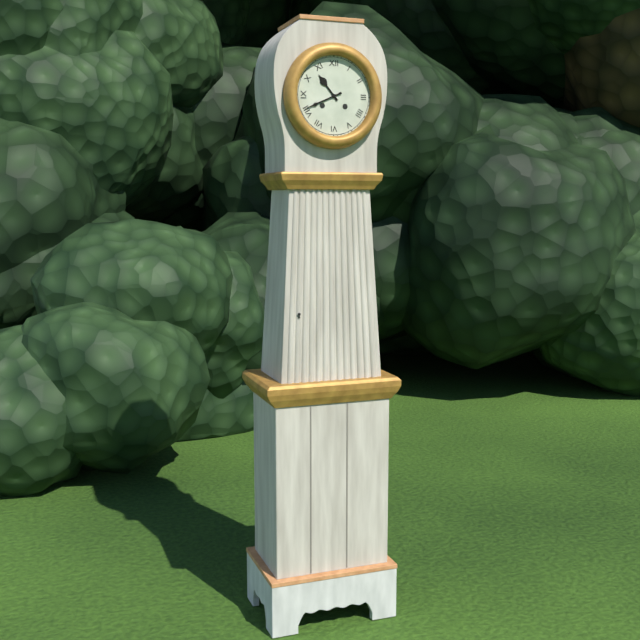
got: h=10 m=41
